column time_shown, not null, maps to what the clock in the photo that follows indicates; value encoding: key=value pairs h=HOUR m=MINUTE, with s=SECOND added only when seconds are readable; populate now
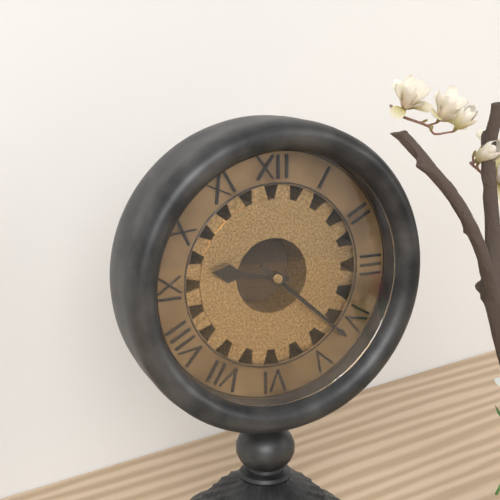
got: h=9 m=22
